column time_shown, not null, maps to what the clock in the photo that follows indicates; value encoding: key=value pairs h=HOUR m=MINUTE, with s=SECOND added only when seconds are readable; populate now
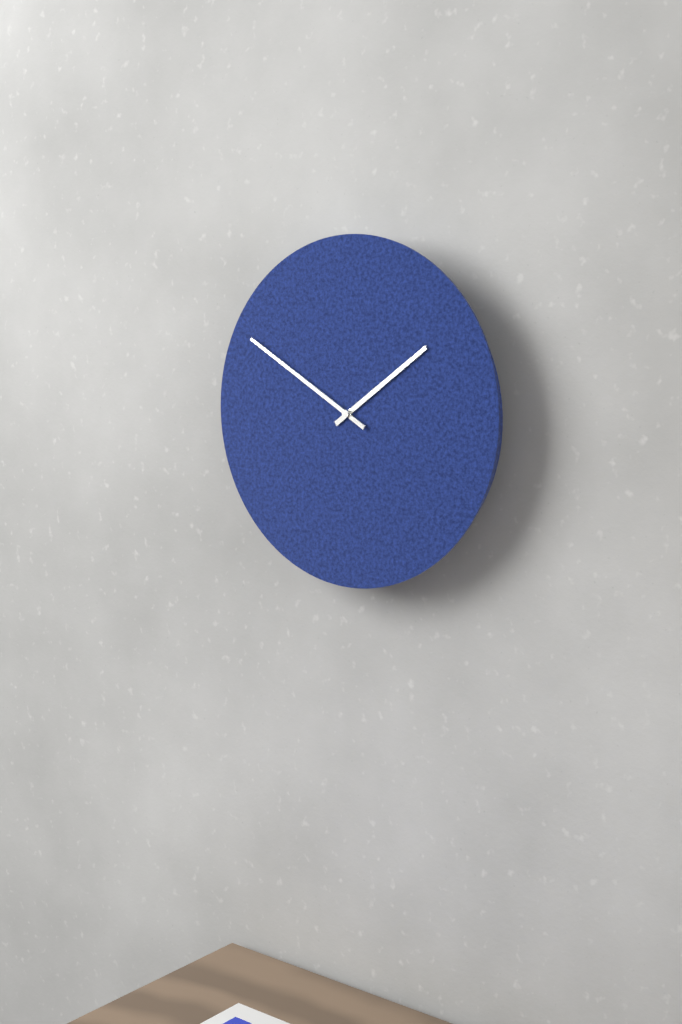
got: h=1 m=50
